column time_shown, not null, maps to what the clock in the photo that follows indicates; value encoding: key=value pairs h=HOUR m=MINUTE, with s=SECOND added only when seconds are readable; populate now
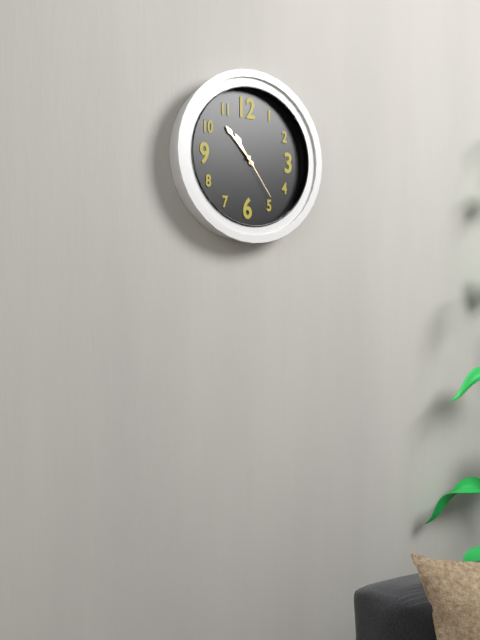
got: h=10 m=53 s=24
